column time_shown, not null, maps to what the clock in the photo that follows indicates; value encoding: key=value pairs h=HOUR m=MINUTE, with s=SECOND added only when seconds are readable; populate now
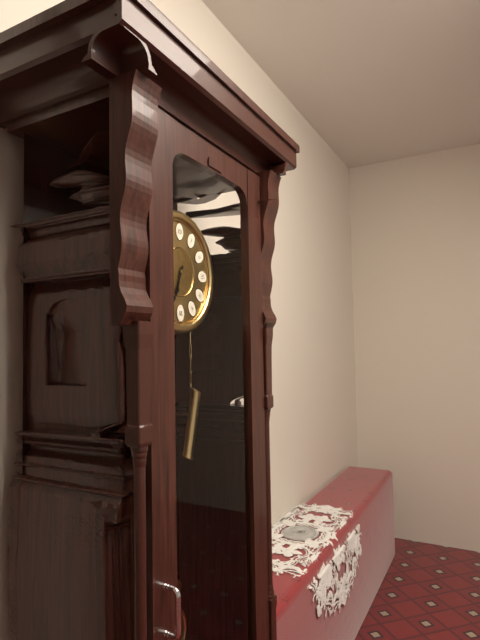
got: h=6 m=34
